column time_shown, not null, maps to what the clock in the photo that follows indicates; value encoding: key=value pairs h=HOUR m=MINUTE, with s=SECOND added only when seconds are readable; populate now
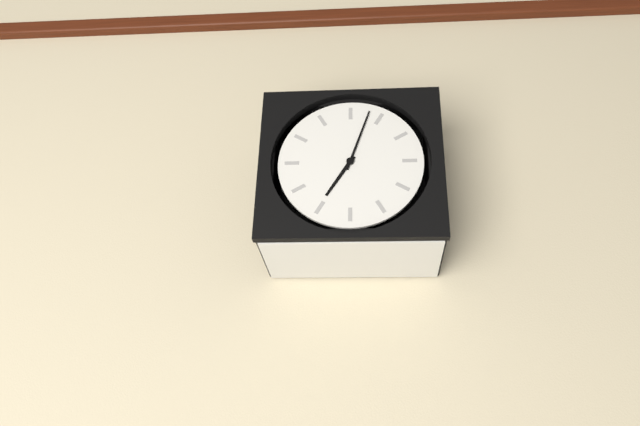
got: h=7 m=3
